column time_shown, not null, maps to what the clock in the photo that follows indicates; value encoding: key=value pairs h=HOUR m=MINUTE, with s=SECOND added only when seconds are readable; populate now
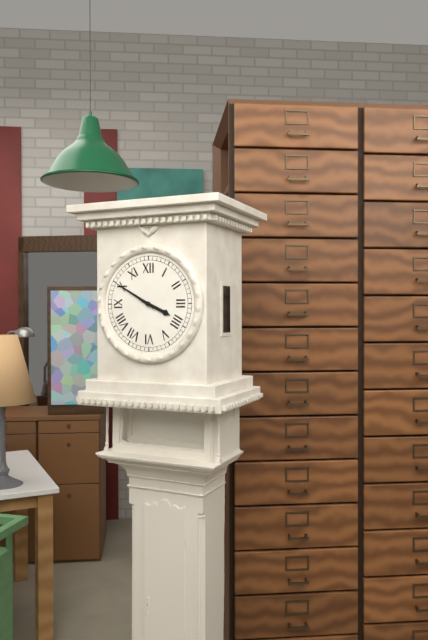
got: h=3 m=50
